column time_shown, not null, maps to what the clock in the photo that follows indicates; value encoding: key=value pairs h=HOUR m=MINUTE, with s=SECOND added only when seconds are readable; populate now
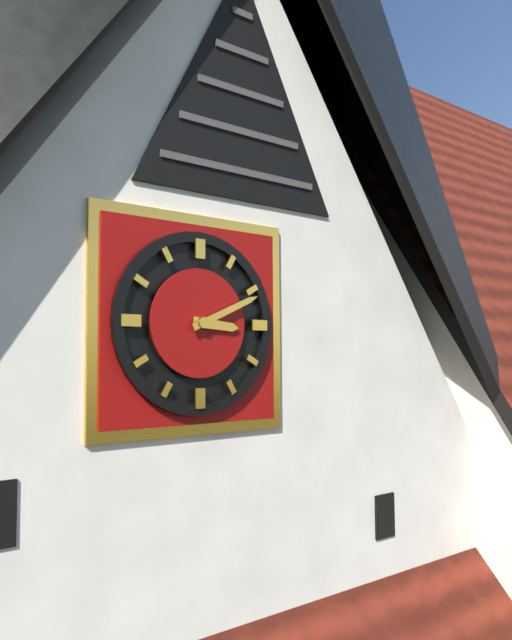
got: h=3 m=11
